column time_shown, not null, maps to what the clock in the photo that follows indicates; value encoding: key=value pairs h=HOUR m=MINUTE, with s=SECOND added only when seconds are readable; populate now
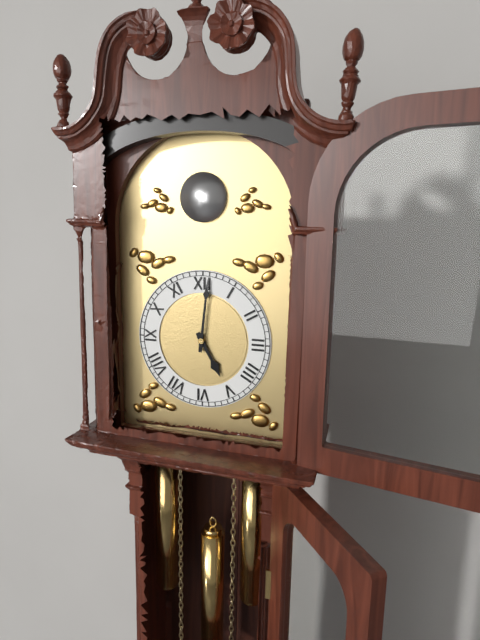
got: h=5 m=1
